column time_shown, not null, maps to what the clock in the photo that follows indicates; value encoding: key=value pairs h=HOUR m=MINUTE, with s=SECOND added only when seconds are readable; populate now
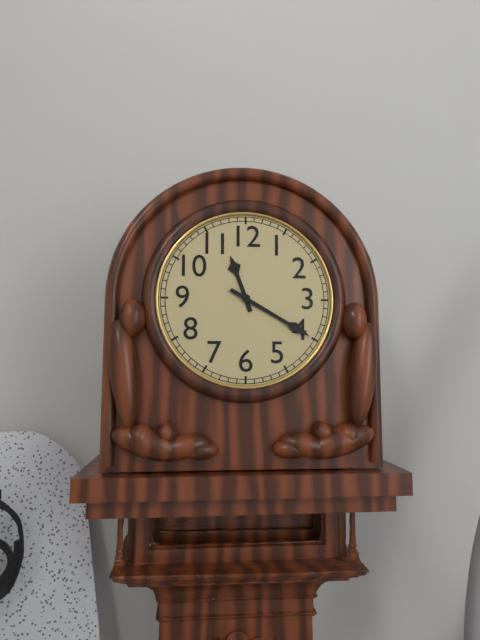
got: h=11 m=20
